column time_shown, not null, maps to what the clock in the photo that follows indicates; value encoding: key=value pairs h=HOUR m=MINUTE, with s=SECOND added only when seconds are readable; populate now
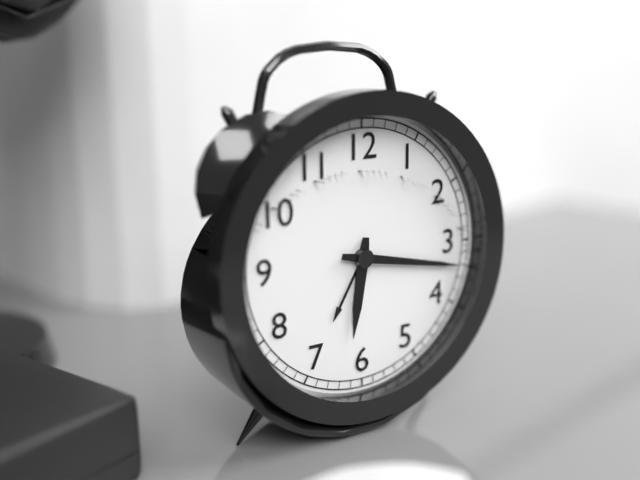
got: h=6 m=17
